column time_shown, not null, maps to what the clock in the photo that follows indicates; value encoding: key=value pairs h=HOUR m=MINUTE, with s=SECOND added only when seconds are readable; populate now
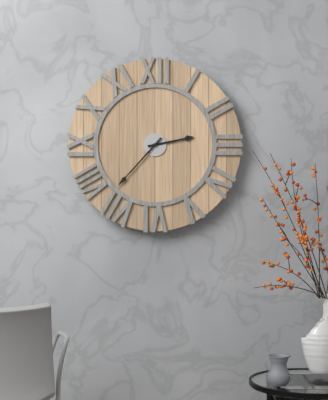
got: h=2 m=37
